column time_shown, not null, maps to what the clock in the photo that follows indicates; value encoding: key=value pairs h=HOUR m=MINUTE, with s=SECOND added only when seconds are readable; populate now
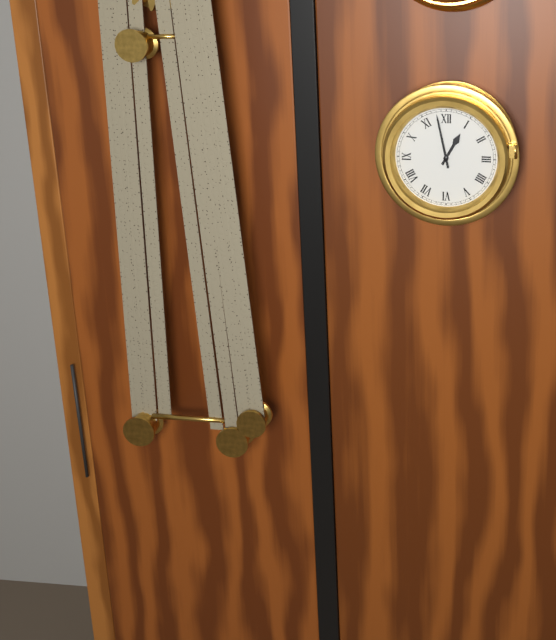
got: h=12 m=58
